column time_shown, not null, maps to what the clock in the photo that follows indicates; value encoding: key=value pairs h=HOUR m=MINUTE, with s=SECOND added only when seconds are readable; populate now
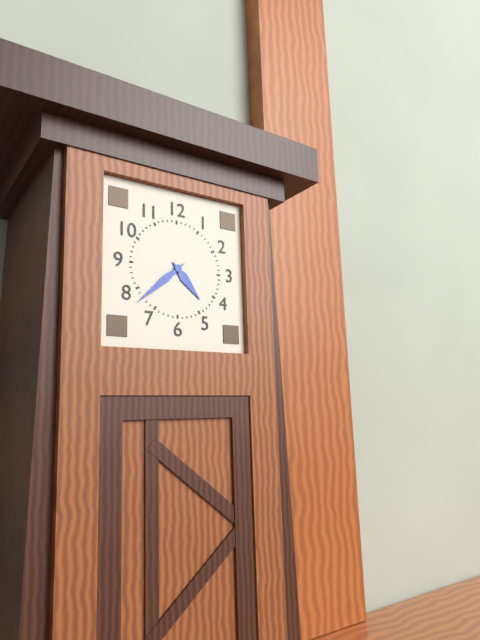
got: h=4 m=38
